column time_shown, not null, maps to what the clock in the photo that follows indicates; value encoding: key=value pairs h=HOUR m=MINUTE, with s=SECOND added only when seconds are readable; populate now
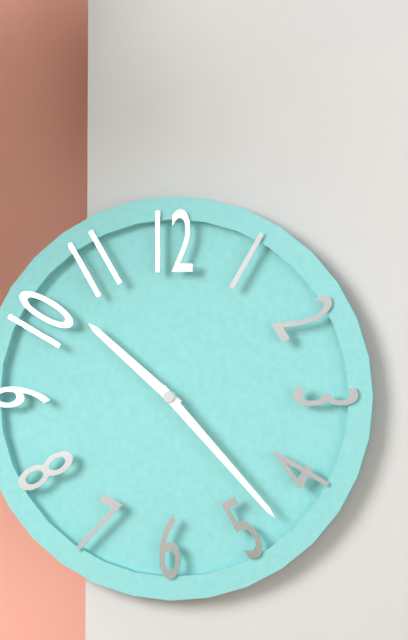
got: h=10 m=23
